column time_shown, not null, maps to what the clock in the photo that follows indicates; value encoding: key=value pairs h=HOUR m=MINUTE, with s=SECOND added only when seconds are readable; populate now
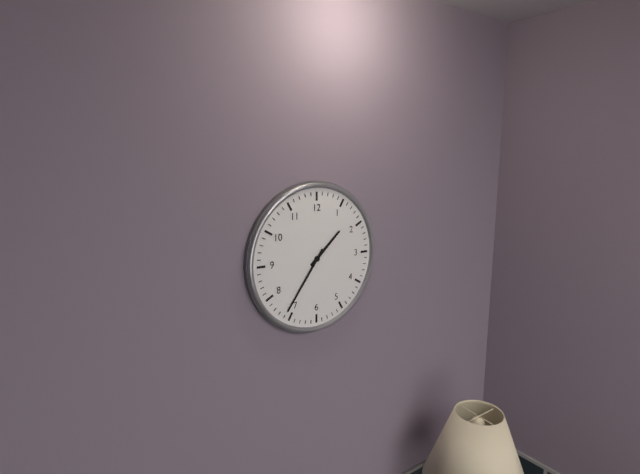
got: h=1 m=36
